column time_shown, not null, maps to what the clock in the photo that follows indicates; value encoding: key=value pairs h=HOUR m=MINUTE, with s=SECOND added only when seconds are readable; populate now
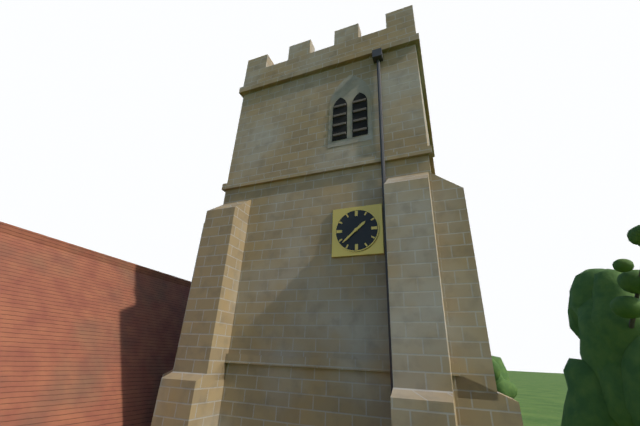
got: h=1 m=38
